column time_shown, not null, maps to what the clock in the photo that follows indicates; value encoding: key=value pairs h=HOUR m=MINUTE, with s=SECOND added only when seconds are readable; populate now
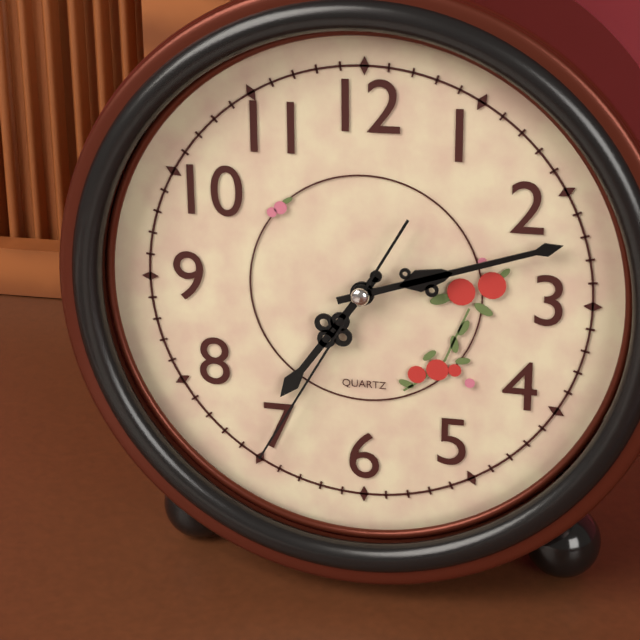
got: h=7 m=12 s=35
